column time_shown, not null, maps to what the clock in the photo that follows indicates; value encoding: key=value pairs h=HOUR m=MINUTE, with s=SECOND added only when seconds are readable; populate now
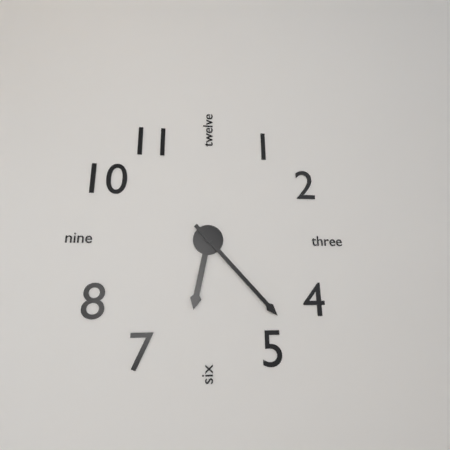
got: h=6 m=23
